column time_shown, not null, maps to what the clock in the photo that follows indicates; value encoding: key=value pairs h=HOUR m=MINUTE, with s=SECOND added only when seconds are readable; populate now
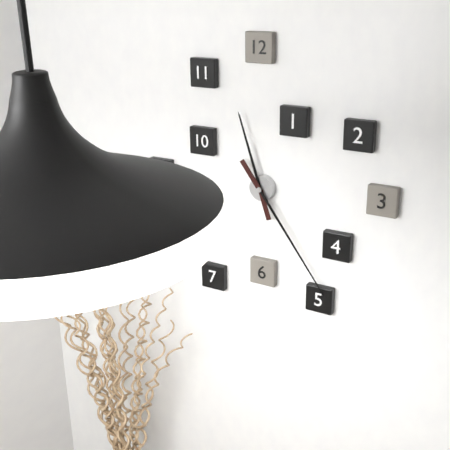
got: h=11 m=24
